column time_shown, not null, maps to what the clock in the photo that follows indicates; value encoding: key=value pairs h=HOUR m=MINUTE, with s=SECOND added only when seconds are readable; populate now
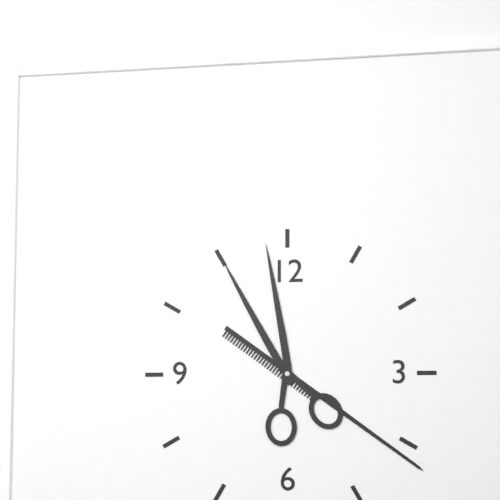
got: h=11 m=21
